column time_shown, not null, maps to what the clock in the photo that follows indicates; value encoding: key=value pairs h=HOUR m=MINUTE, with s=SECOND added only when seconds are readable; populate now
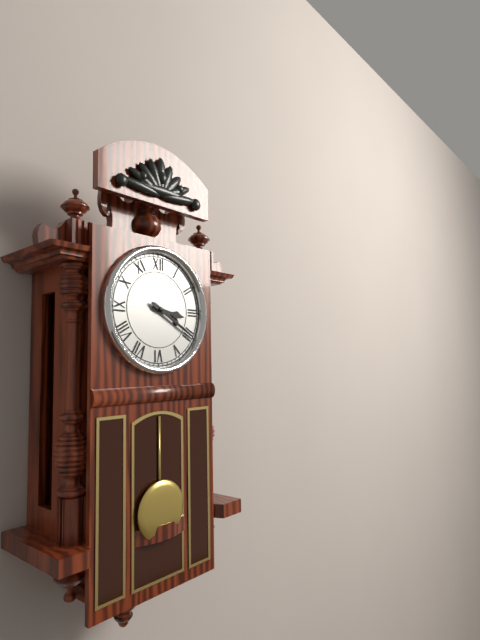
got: h=3 m=20
